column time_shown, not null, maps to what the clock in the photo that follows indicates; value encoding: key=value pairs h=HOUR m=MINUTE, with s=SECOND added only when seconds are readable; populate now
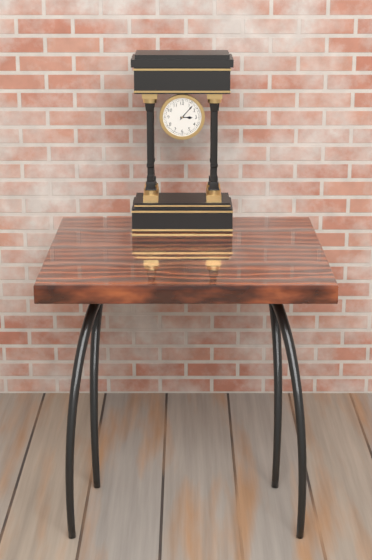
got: h=3 m=7
